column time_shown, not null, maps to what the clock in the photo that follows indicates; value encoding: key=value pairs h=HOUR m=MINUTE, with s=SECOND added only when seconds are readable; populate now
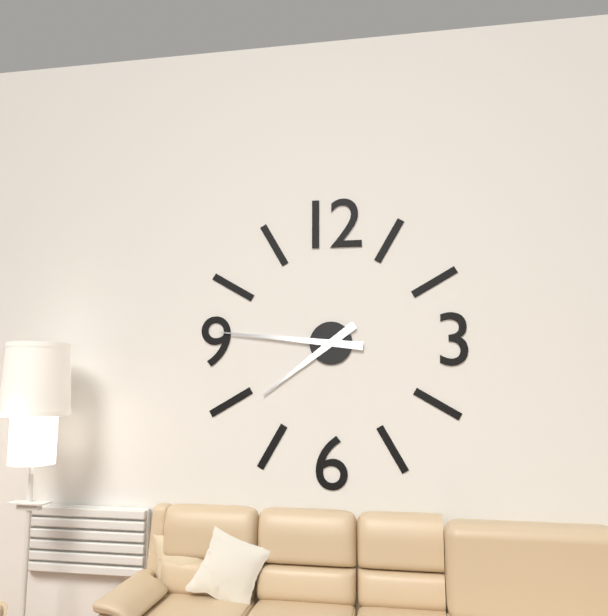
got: h=7 m=46
